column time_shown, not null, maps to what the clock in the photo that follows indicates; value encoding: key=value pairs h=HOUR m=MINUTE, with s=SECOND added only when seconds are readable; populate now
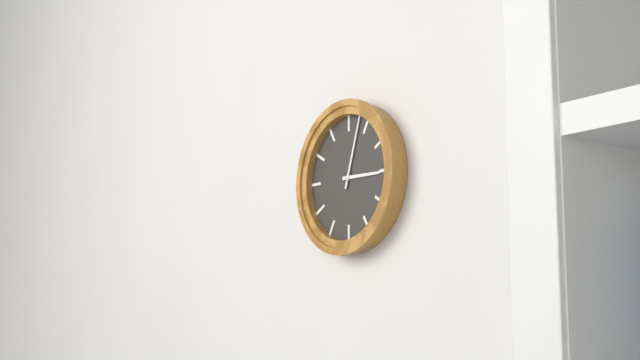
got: h=3 m=3
